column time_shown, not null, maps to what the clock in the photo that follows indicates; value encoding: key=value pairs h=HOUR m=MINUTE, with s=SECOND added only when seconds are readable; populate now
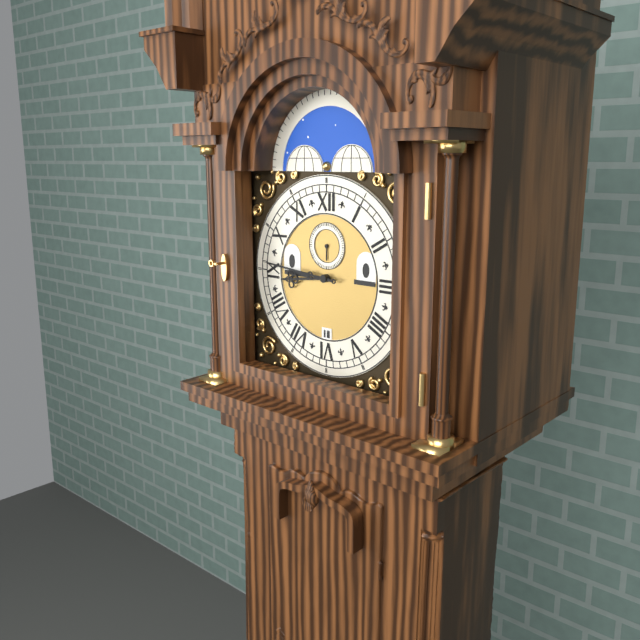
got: h=8 m=46
